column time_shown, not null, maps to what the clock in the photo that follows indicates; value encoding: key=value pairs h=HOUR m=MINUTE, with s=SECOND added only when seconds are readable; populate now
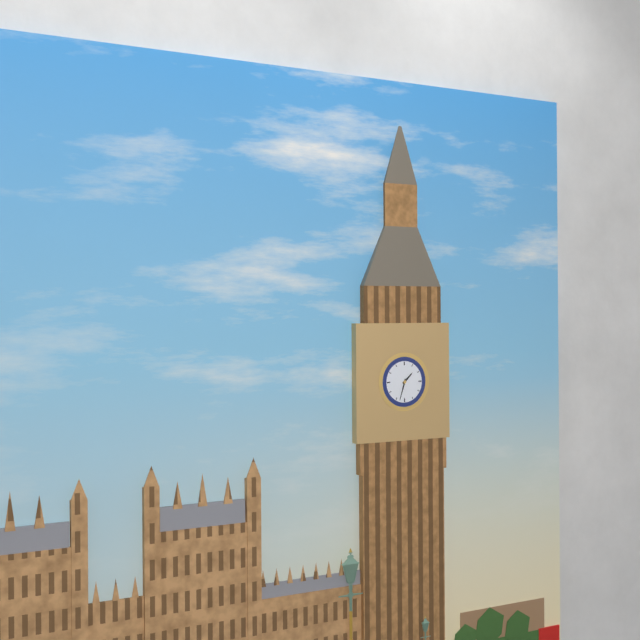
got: h=1 m=33
